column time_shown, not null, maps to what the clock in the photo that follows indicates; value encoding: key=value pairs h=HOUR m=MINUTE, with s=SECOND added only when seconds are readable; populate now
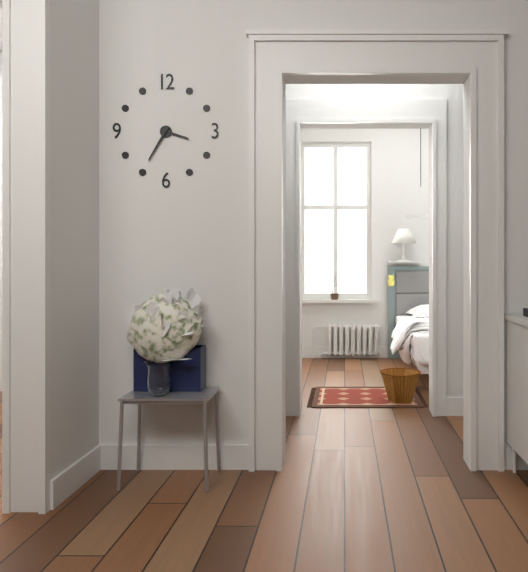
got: h=3 m=35
